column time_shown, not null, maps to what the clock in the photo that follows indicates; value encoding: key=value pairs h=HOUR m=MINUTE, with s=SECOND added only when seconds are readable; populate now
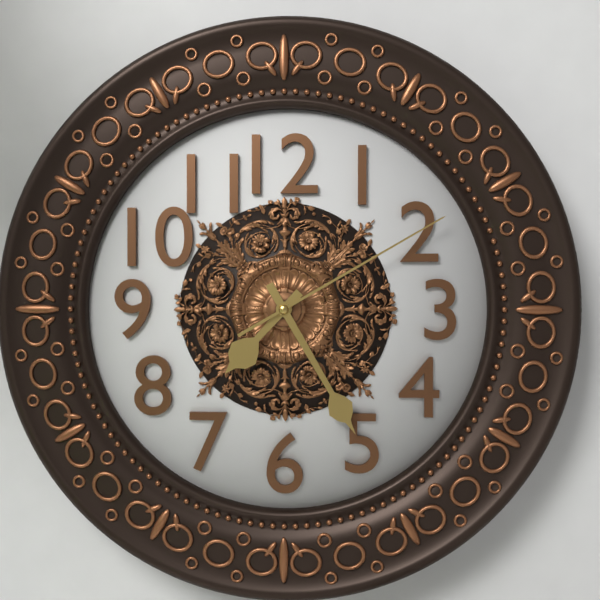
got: h=7 m=25 s=10
